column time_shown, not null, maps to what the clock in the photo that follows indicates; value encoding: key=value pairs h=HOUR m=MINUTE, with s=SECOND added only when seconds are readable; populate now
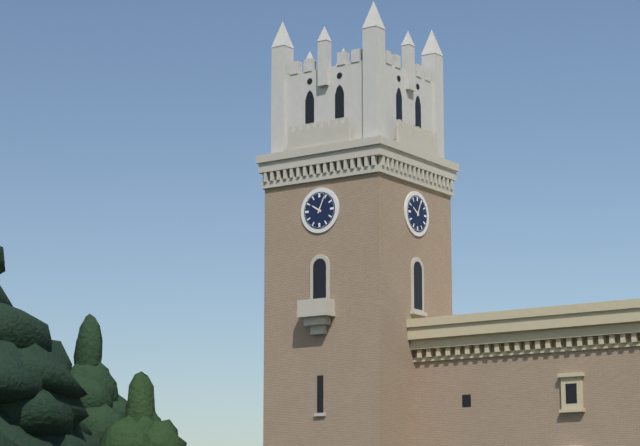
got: h=10 m=4
